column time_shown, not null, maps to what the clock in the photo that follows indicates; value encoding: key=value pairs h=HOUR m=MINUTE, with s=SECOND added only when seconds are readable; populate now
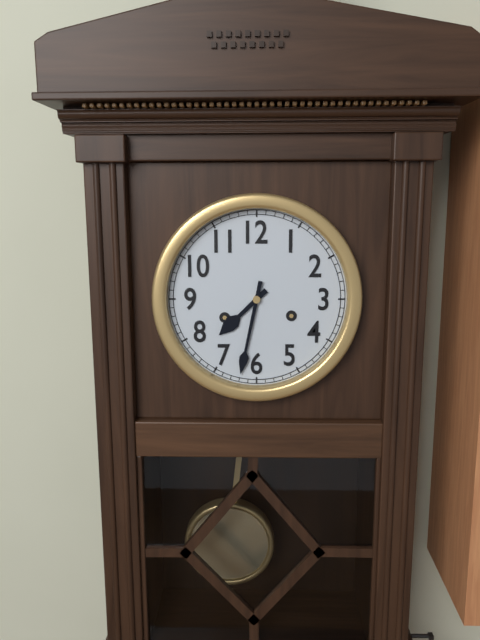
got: h=7 m=32
